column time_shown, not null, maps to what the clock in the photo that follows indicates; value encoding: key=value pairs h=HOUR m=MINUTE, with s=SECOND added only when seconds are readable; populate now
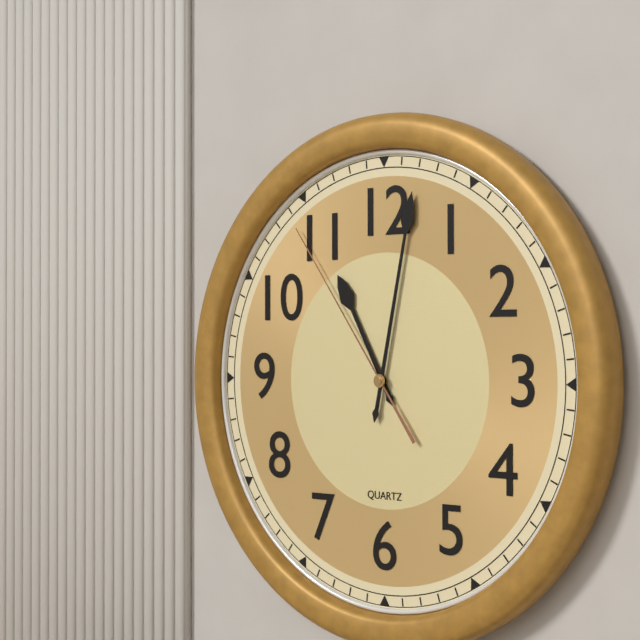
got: h=11 m=2 s=54
